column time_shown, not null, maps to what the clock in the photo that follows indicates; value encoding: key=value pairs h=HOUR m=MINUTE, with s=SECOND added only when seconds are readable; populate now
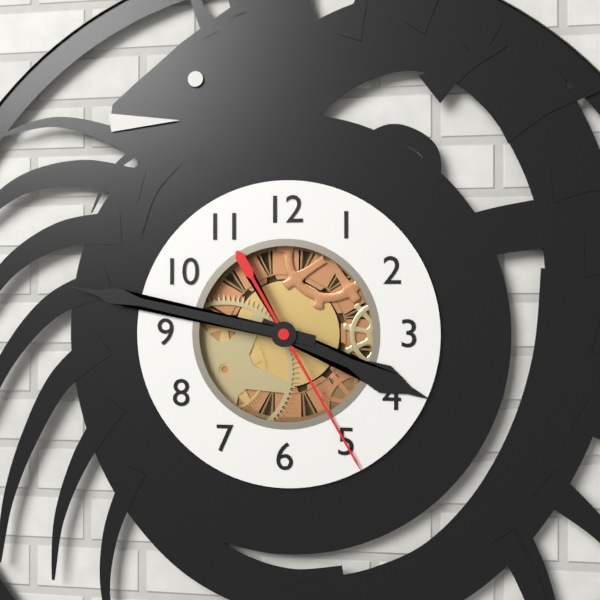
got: h=3 m=47 s=25
